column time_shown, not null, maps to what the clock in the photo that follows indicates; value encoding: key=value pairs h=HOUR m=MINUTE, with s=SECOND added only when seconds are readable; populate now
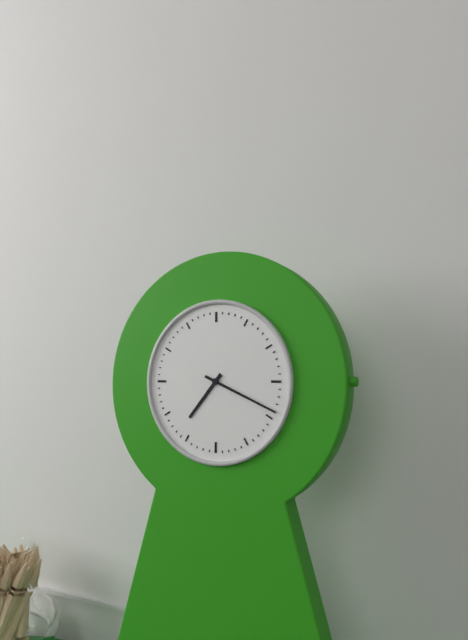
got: h=7 m=19
